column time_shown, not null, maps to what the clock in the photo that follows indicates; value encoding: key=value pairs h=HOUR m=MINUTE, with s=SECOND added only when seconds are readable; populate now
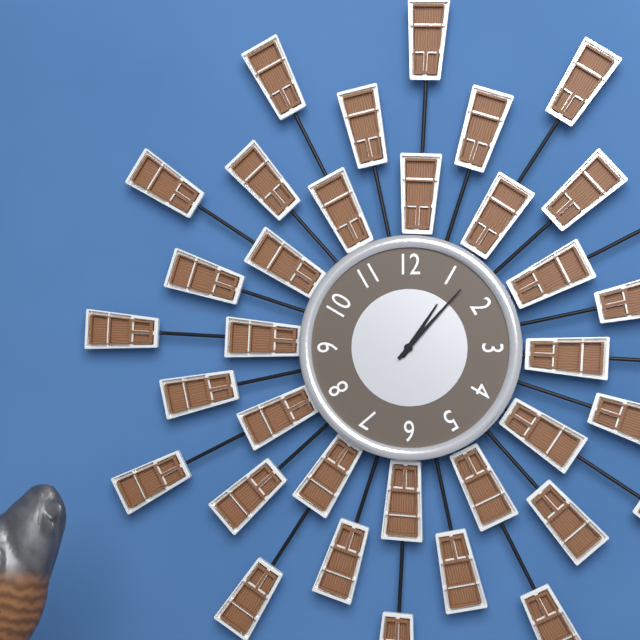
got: h=1 m=7
